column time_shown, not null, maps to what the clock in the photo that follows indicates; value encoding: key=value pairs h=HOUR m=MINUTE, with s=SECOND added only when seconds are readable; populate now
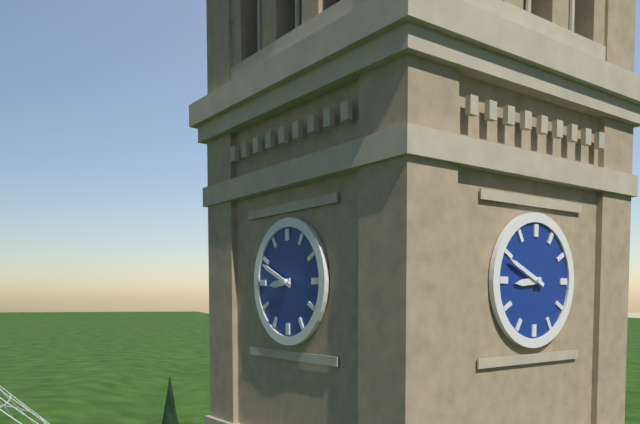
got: h=8 m=49
